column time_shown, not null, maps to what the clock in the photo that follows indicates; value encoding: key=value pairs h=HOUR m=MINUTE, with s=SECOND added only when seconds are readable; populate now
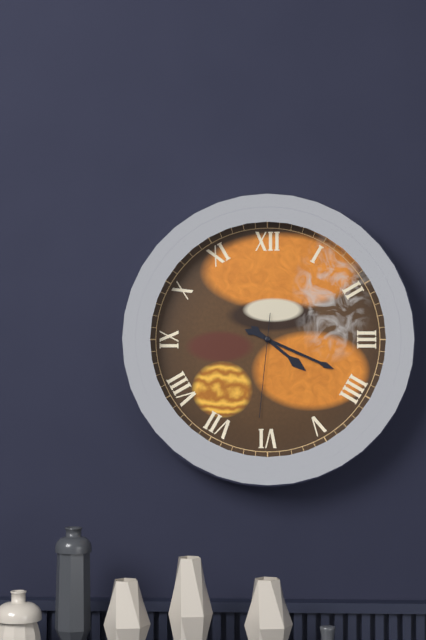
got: h=4 m=19 s=31
